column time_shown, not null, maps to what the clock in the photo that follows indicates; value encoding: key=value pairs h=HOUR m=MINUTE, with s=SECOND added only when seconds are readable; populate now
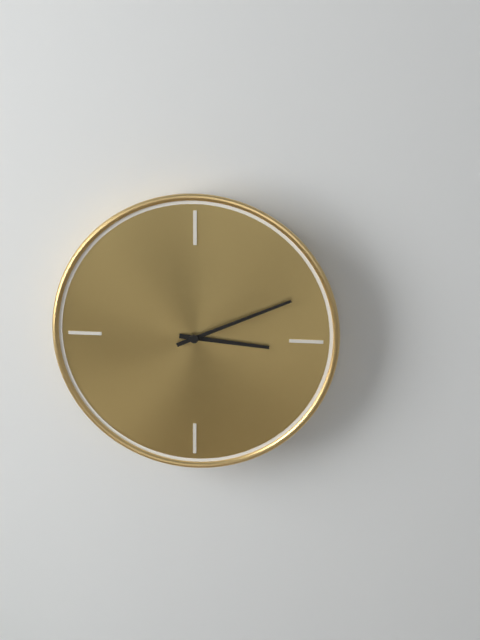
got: h=3 m=11
